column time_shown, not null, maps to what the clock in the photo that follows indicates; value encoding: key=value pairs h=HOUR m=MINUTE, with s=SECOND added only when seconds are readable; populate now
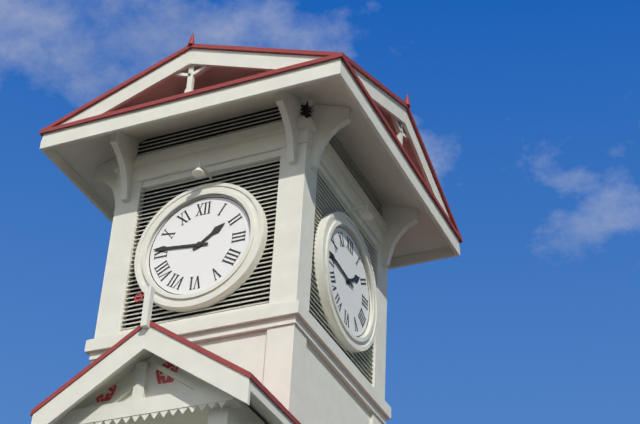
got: h=1 m=46
